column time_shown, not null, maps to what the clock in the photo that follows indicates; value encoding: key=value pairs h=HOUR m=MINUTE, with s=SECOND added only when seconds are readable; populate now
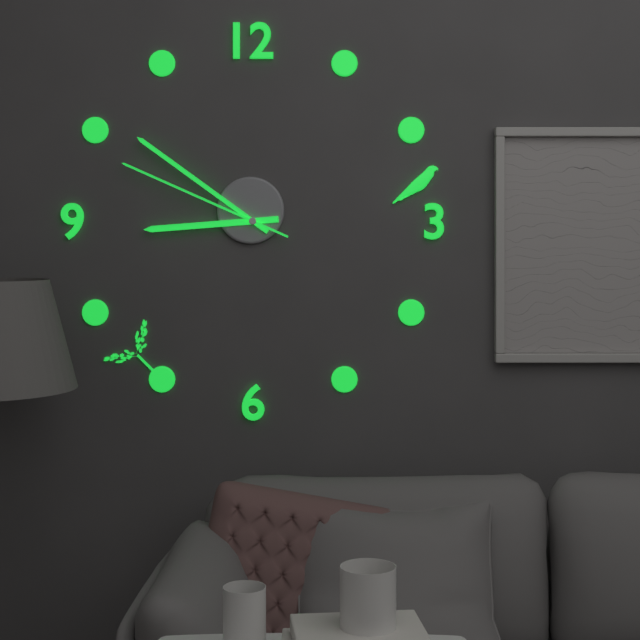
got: h=8 m=51 s=49
